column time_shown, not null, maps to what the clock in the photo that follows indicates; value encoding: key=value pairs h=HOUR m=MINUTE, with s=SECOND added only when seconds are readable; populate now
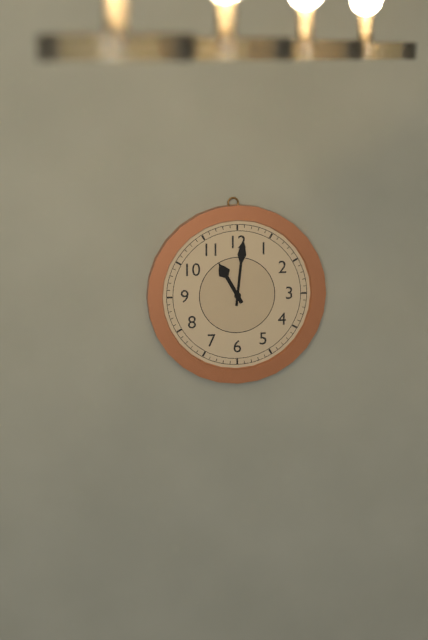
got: h=11 m=1
